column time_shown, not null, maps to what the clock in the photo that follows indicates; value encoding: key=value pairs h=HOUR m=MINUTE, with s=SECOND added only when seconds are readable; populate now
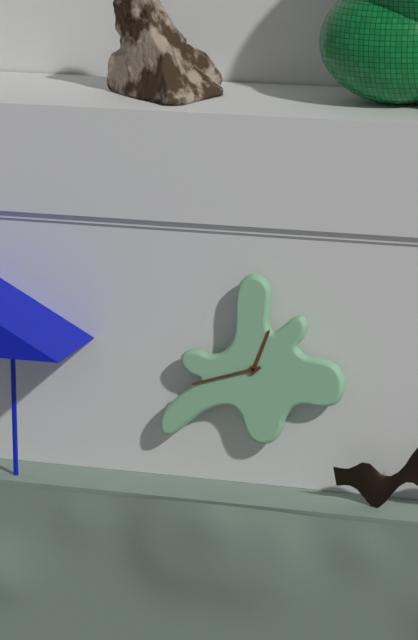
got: h=12 m=42
